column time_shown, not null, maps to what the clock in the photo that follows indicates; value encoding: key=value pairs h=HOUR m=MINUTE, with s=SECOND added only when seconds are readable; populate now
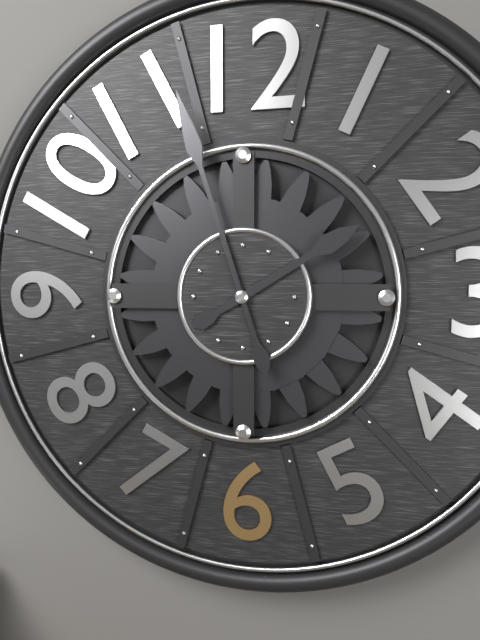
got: h=1 m=57
